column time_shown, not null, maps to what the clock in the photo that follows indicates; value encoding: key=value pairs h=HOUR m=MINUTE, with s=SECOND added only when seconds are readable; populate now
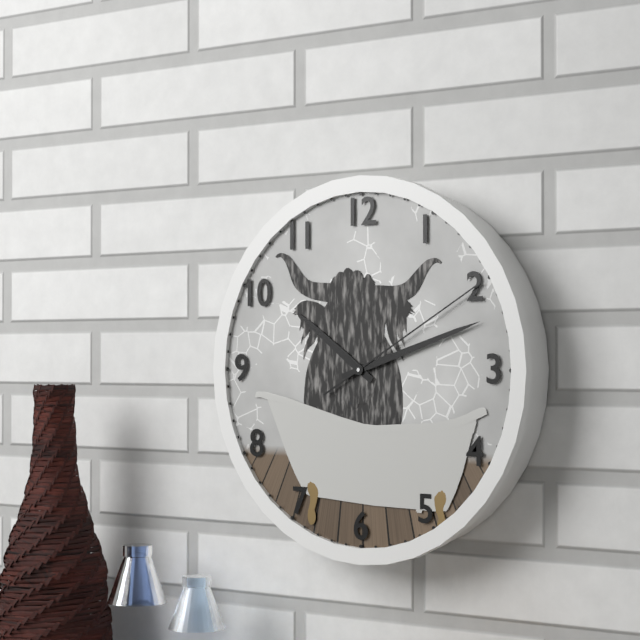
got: h=10 m=12 s=10
